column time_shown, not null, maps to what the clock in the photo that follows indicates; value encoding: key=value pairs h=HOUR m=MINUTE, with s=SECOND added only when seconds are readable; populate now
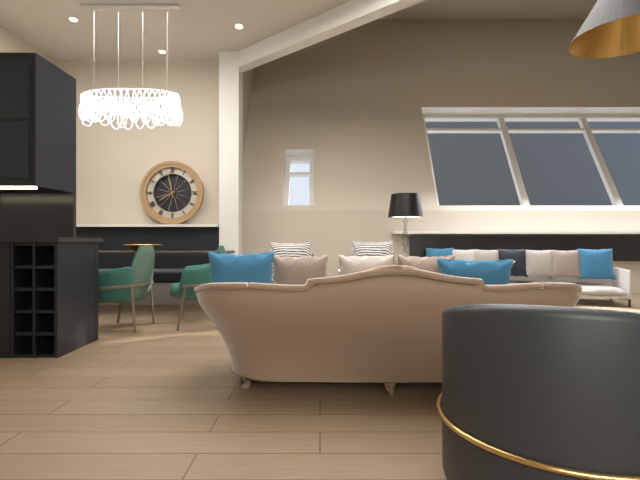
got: h=7 m=58
